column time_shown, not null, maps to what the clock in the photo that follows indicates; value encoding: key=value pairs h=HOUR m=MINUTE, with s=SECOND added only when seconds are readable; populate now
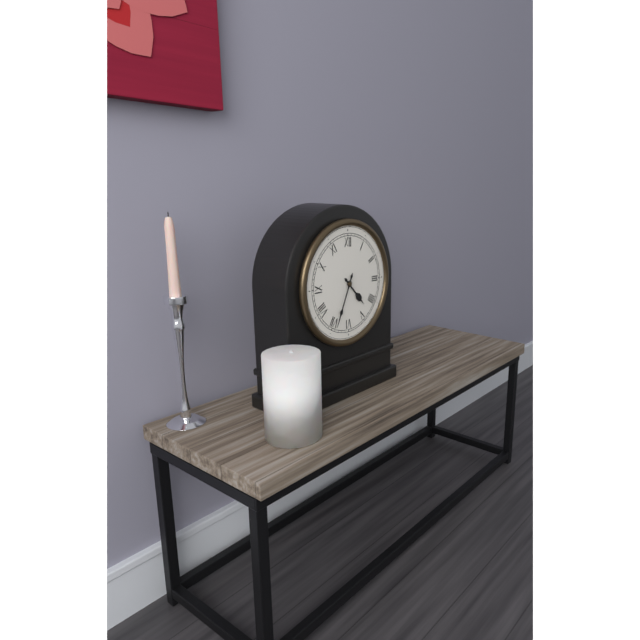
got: h=4 m=34
